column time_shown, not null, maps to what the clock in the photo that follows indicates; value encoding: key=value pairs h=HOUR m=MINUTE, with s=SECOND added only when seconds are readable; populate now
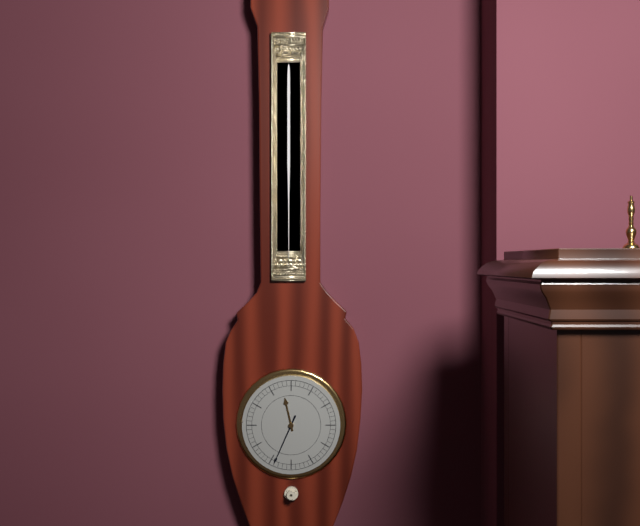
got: h=11 m=34
